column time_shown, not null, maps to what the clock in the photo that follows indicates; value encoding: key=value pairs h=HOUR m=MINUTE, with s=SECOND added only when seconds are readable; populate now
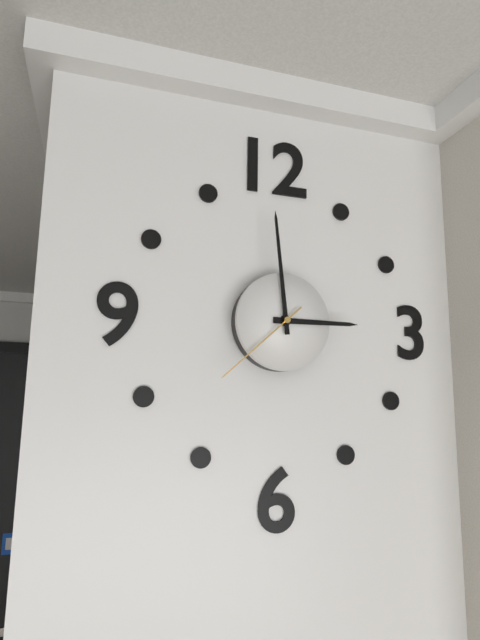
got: h=2 m=59 s=38
